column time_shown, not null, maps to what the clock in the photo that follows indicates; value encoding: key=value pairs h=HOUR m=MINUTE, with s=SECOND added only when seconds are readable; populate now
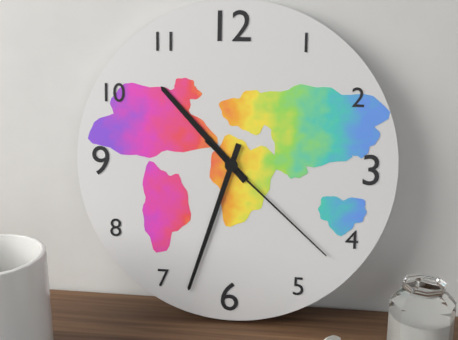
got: h=10 m=33 s=22
